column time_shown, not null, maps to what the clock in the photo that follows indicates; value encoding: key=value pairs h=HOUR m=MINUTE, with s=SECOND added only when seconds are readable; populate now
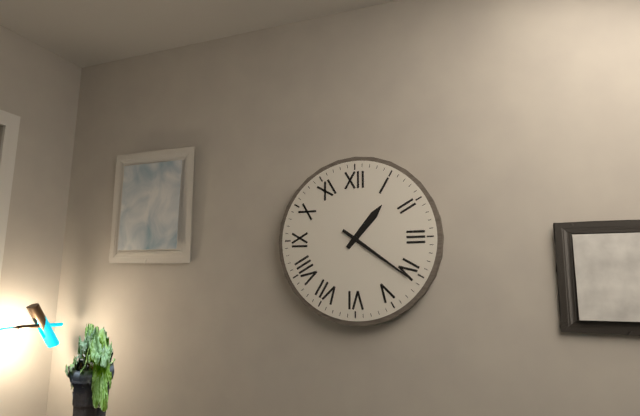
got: h=1 m=21
